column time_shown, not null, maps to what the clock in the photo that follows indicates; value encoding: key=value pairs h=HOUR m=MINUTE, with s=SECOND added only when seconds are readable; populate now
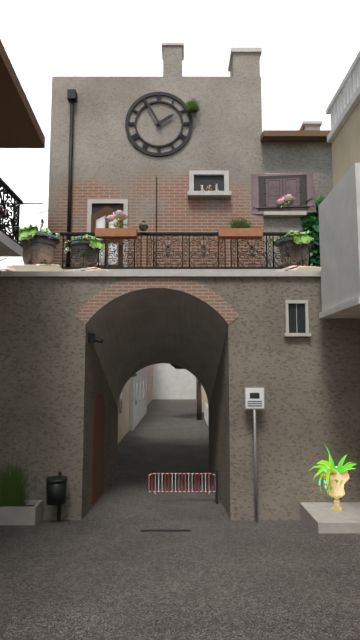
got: h=1 m=55
